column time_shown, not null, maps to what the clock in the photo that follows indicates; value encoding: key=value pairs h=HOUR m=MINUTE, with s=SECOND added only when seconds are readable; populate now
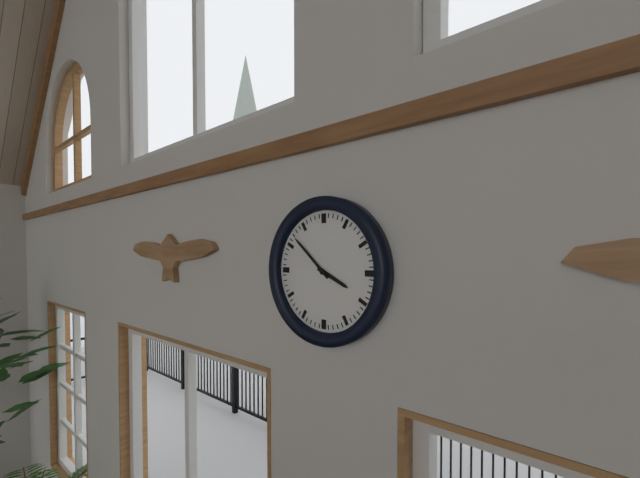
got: h=3 m=52
